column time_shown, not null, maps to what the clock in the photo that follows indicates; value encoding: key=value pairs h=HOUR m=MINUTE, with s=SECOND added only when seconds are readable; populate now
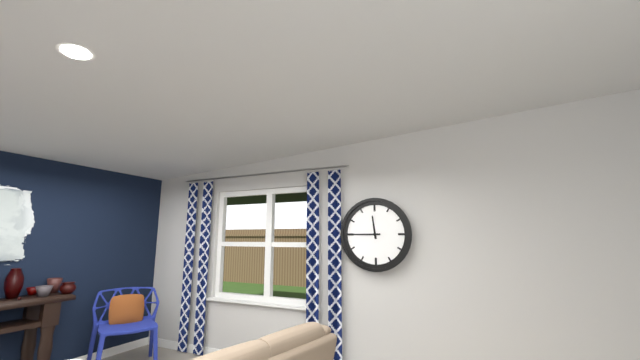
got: h=11 m=45
